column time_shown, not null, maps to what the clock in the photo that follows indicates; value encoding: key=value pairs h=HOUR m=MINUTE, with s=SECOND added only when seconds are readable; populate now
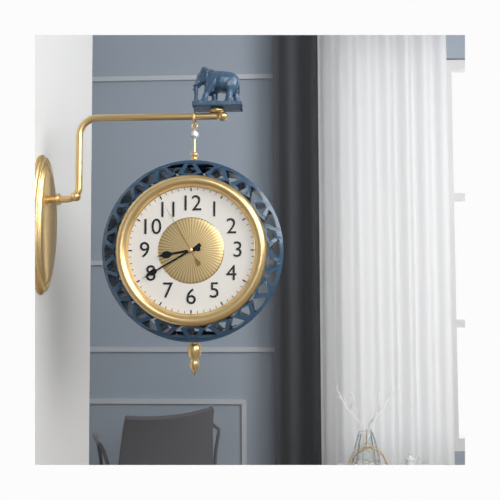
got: h=8 m=40 s=55
